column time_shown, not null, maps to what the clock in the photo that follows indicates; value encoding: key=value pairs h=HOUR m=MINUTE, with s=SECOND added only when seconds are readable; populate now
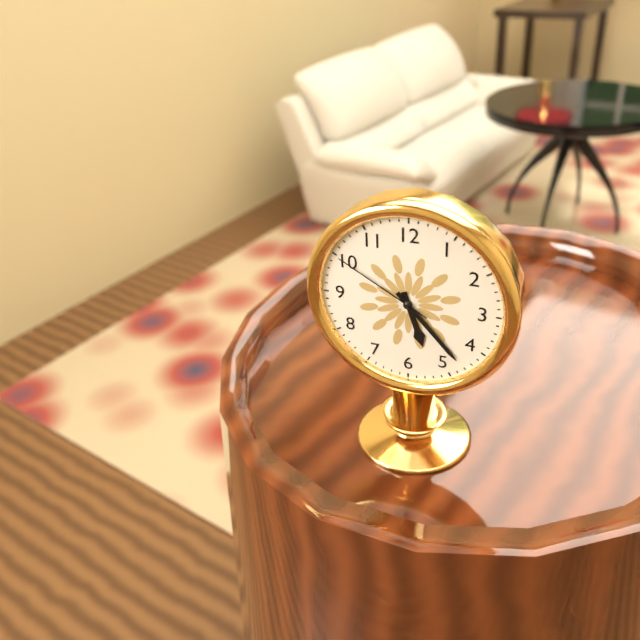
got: h=5 m=23 s=50
